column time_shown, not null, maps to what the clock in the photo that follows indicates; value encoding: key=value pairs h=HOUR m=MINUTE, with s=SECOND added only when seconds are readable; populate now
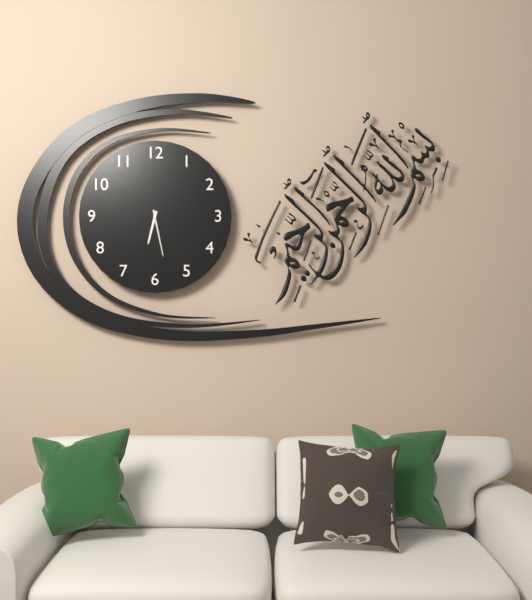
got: h=6 m=28
